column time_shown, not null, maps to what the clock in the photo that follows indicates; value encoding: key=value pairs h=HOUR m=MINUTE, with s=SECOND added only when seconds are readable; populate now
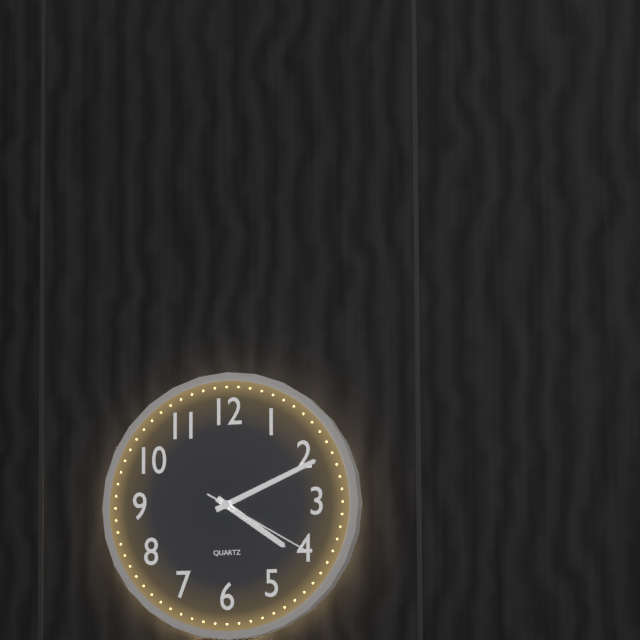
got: h=4 m=11 s=20
